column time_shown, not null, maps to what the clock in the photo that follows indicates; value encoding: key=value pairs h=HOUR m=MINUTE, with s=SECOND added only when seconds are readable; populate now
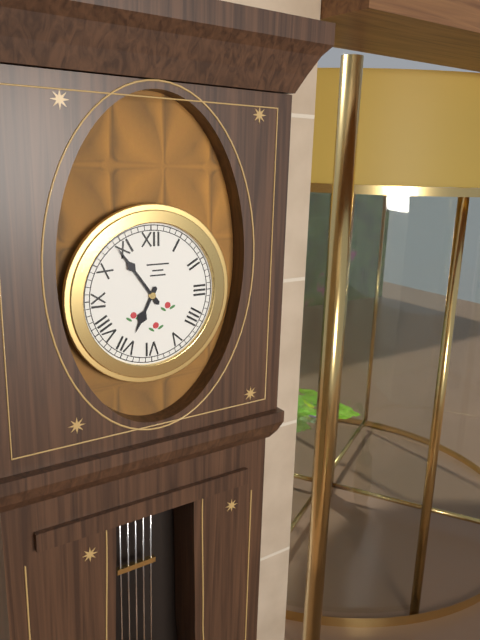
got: h=6 m=54
